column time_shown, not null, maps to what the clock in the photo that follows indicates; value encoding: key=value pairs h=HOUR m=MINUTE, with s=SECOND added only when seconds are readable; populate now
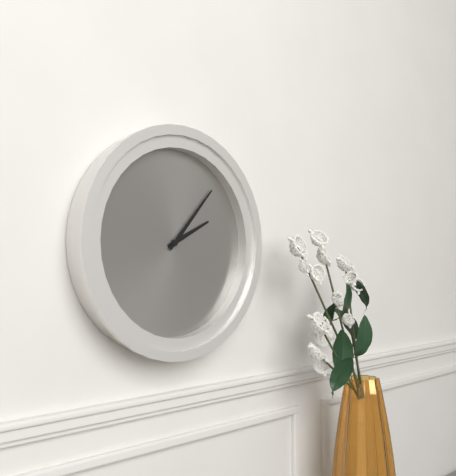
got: h=2 m=7
